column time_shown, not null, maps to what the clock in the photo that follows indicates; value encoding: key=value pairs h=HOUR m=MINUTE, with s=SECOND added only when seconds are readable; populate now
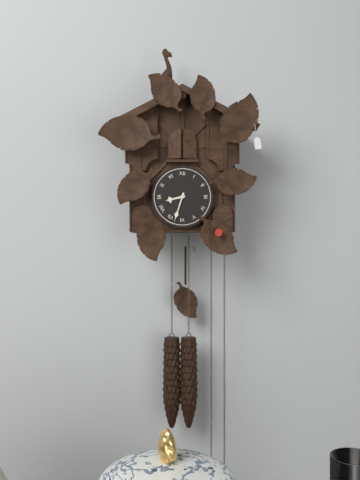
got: h=8 m=33
